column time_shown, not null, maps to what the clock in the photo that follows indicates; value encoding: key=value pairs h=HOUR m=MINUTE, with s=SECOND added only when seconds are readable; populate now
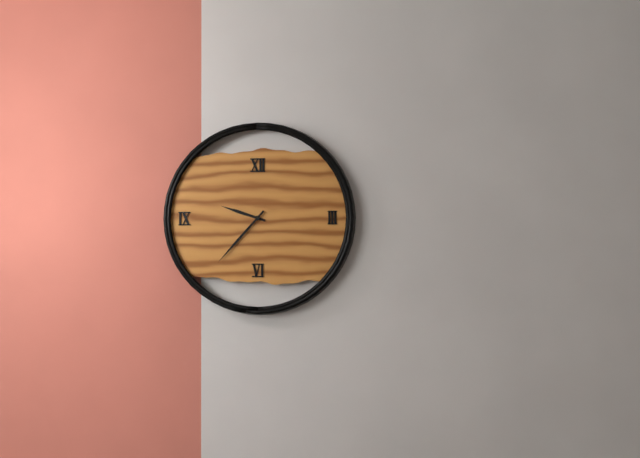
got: h=9 m=37
